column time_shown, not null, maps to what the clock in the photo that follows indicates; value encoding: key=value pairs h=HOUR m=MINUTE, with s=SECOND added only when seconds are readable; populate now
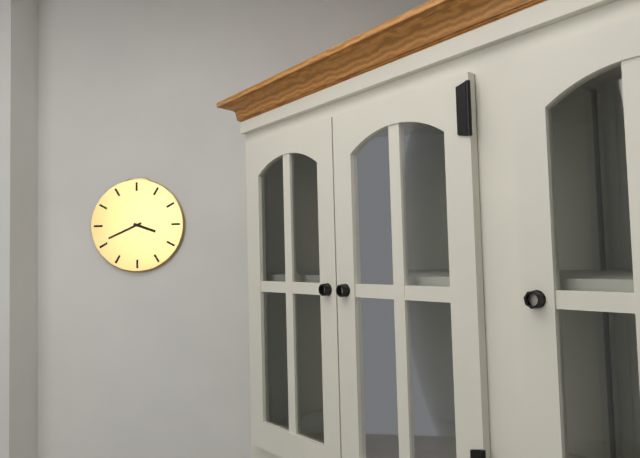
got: h=3 m=41
